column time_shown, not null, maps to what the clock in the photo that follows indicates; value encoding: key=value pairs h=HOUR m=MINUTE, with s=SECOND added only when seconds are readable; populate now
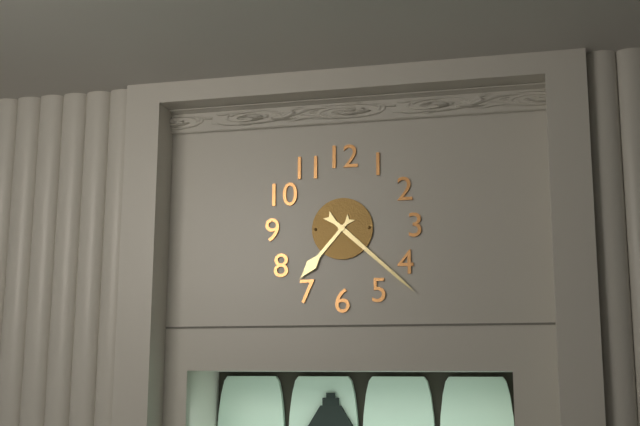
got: h=7 m=22
